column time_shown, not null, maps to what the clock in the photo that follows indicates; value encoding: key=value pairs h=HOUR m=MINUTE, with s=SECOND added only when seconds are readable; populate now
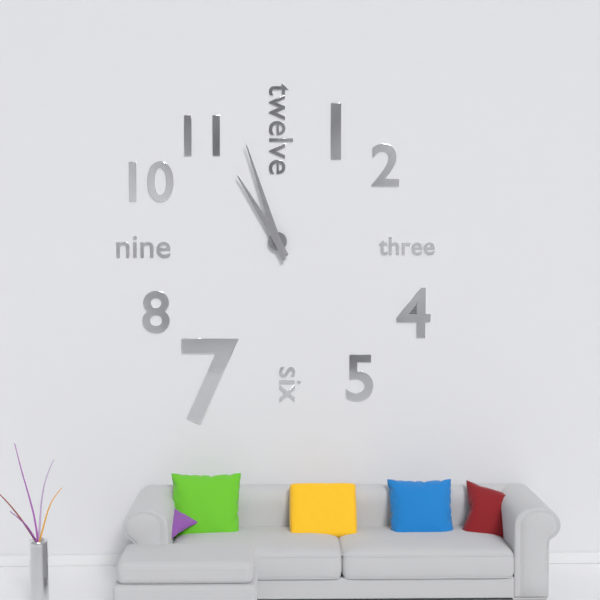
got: h=10 m=57
